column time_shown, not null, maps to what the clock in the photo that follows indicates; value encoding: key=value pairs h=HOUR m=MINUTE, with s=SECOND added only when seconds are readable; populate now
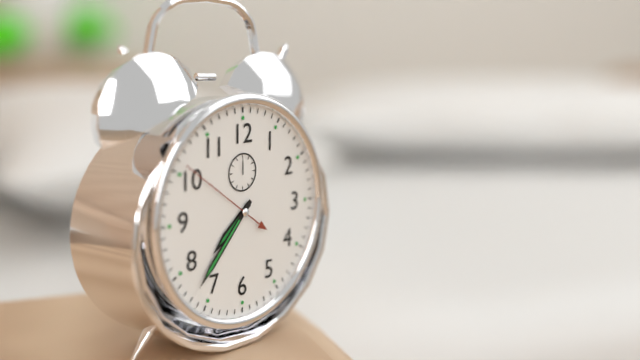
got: h=7 m=37 s=51
